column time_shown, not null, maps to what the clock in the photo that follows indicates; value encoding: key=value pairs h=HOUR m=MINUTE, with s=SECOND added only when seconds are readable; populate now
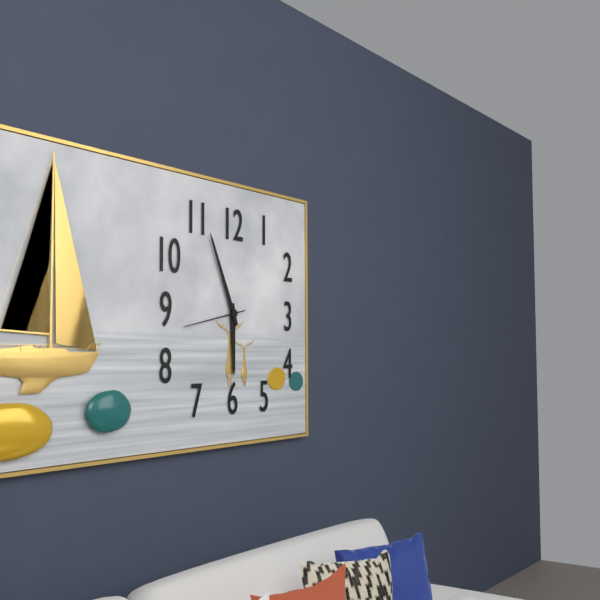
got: h=5 m=56 s=43
